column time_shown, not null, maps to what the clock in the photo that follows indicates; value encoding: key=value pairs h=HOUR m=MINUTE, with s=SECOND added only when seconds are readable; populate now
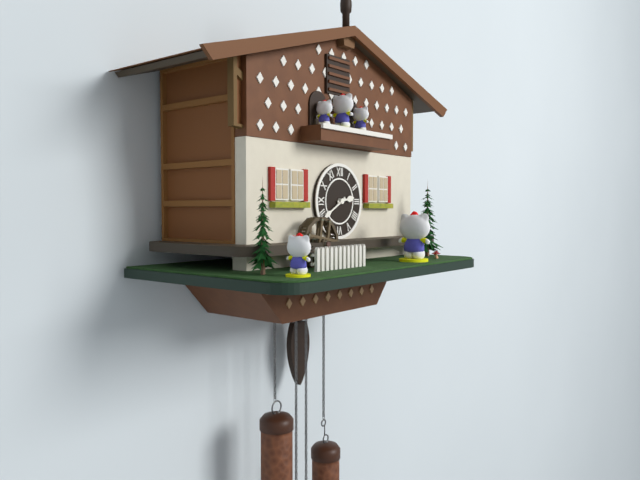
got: h=2 m=40
